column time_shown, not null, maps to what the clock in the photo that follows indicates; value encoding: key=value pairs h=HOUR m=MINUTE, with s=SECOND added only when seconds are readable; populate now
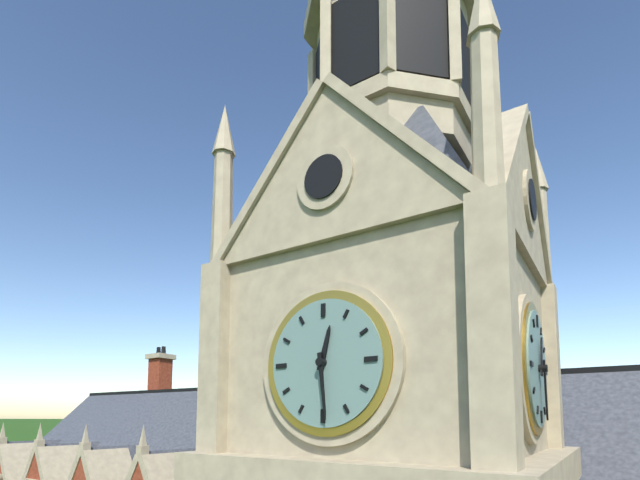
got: h=12 m=29
